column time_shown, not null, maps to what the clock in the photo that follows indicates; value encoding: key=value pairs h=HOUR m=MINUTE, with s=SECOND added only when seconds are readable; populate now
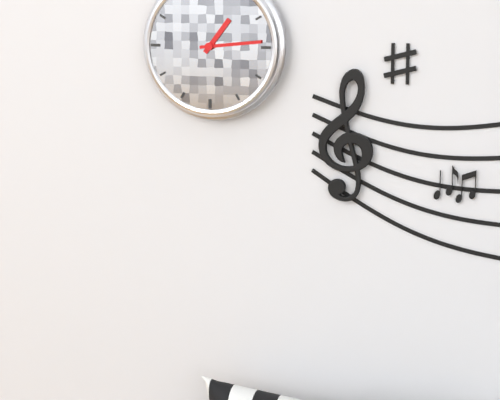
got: h=1 m=14
